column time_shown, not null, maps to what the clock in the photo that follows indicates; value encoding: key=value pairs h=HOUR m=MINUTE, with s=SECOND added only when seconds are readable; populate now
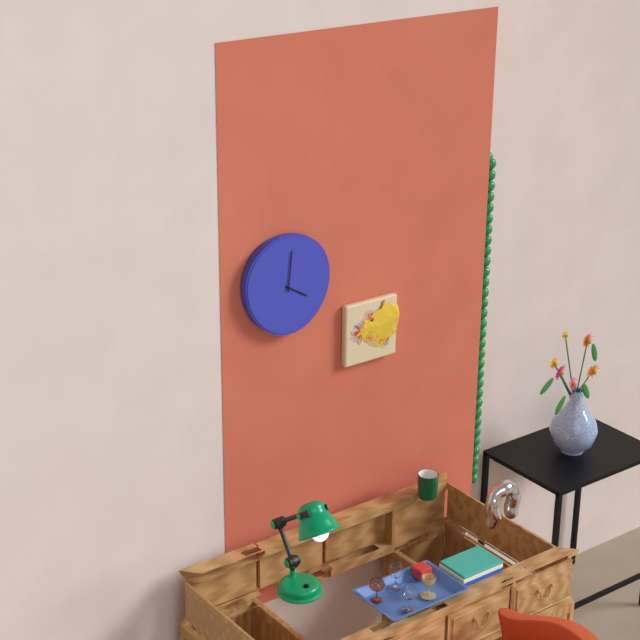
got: h=4 m=1
